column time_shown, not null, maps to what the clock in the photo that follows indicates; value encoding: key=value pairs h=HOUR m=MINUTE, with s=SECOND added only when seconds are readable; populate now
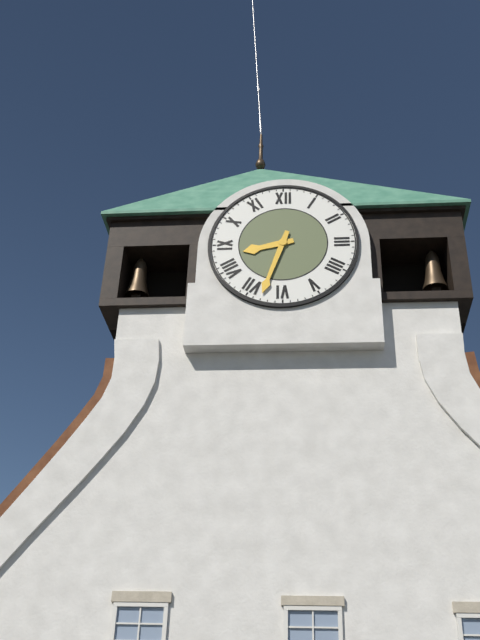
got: h=8 m=33
